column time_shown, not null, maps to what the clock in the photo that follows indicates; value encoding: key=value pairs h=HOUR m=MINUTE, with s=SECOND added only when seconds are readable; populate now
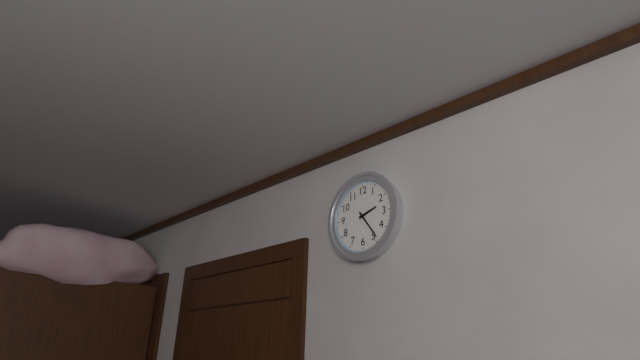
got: h=2 m=24
